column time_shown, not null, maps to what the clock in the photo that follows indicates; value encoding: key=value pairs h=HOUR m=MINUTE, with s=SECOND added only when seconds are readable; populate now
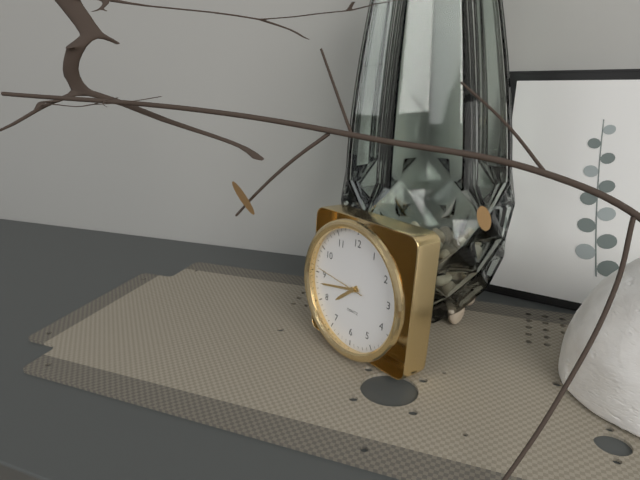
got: h=7 m=43 s=46
